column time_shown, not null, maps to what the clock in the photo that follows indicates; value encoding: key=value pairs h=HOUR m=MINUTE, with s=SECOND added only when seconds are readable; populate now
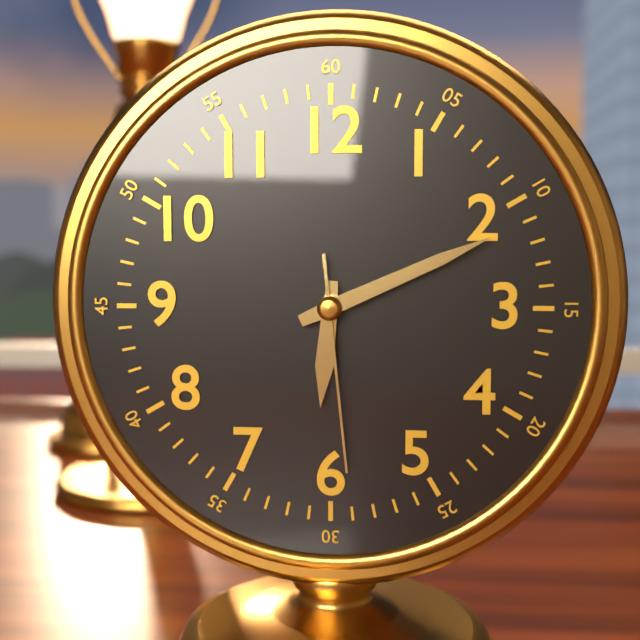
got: h=6 m=11 s=29
